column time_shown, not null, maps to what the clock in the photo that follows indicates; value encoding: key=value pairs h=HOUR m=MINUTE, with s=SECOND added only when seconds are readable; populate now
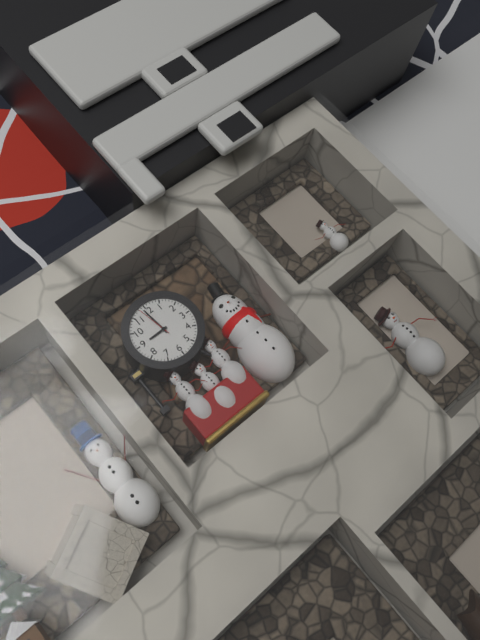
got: h=8 m=59
